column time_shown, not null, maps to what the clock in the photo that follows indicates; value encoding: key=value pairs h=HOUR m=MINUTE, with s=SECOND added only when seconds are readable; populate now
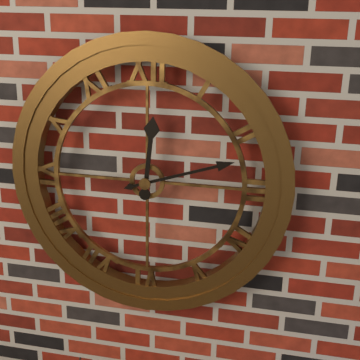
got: h=12 m=12
